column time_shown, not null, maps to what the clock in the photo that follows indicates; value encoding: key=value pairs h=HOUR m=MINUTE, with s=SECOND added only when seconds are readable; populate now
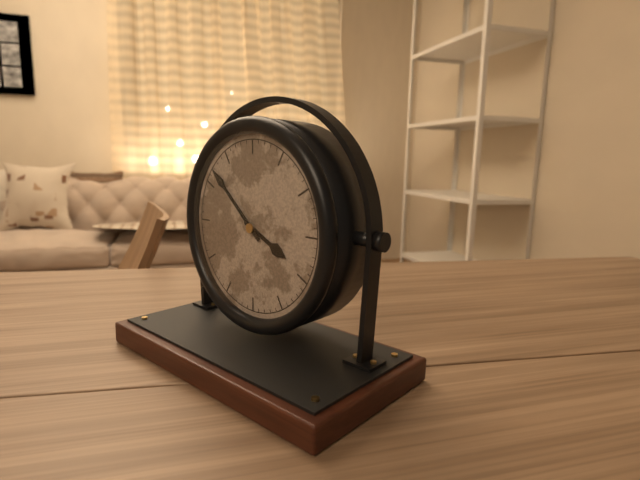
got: h=3 m=52
